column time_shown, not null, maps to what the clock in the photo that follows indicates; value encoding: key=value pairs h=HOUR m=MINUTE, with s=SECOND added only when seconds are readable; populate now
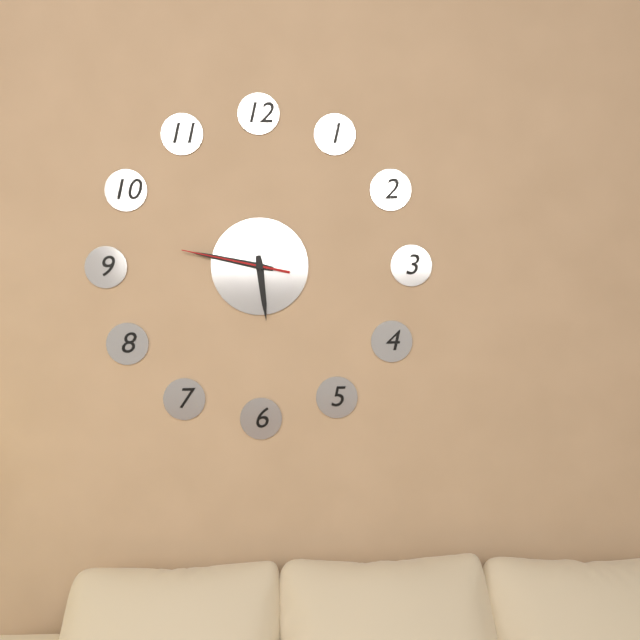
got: h=5 m=47 s=47
